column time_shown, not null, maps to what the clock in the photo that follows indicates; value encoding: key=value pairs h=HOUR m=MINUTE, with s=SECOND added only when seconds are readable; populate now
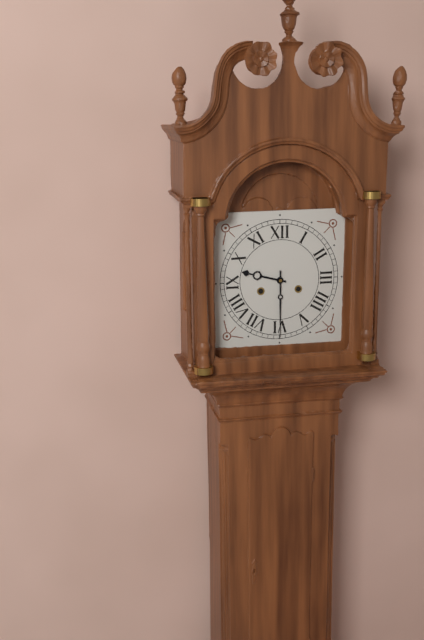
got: h=9 m=30
